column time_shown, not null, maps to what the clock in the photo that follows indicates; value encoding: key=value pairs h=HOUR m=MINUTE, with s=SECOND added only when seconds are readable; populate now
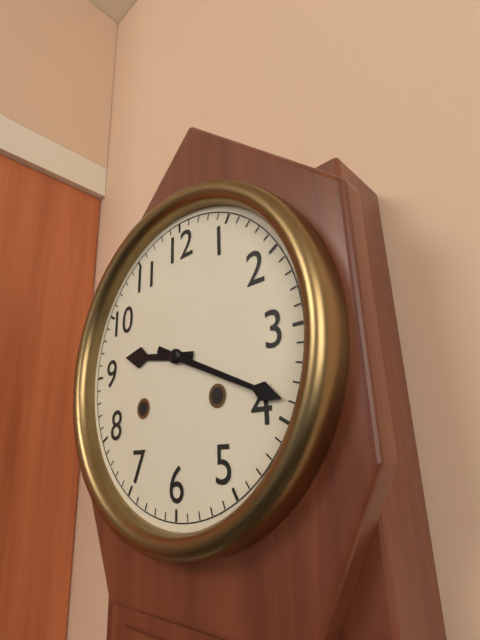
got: h=9 m=19
